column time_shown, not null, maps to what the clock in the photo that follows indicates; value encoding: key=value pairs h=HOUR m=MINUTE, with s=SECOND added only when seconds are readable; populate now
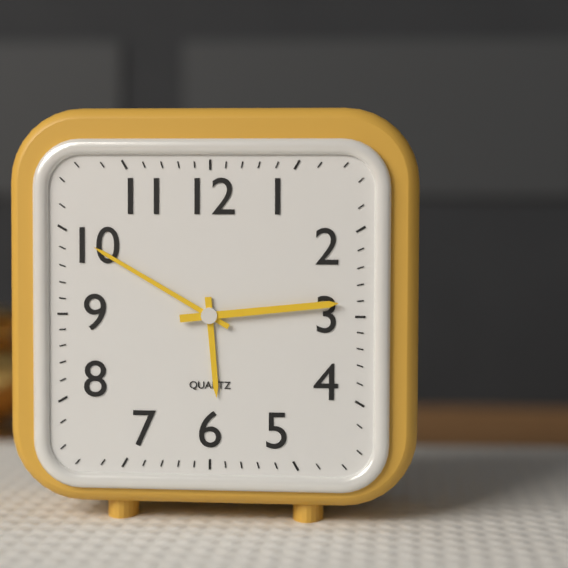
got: h=5 m=50 s=14
